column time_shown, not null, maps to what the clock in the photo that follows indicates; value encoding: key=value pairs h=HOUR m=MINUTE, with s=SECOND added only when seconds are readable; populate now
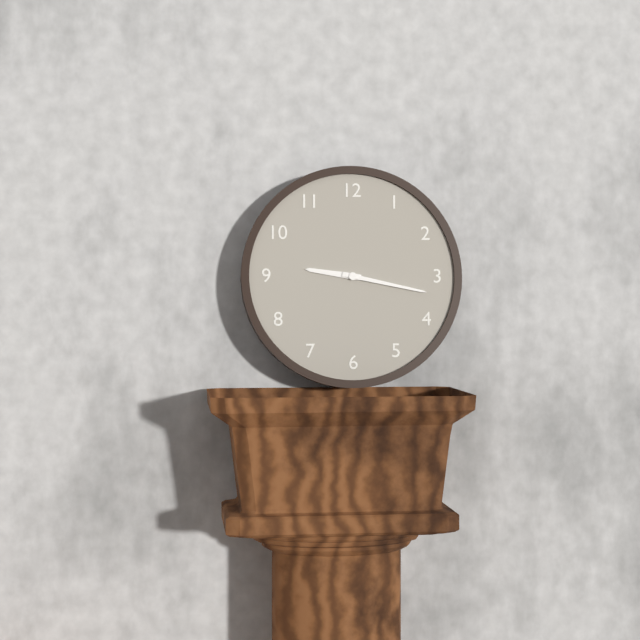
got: h=9 m=17
